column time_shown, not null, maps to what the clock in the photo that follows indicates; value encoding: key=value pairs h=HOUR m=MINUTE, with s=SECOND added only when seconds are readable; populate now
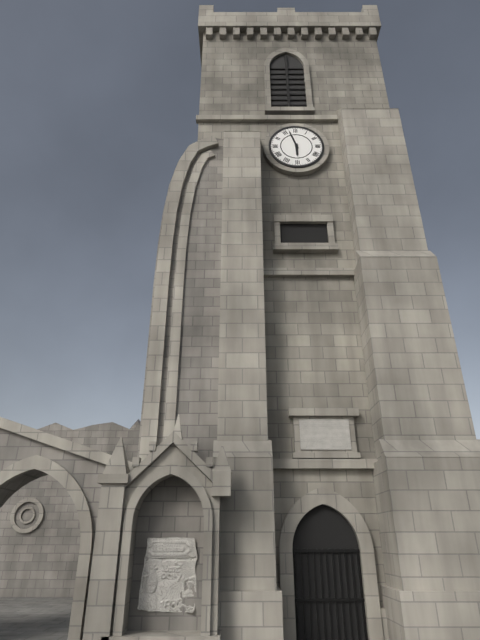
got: h=5 m=57
